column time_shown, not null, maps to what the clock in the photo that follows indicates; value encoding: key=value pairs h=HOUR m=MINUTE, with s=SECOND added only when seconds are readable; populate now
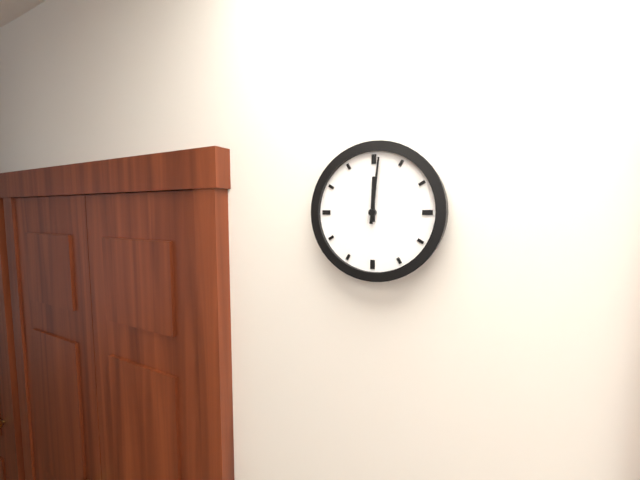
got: h=12 m=1
